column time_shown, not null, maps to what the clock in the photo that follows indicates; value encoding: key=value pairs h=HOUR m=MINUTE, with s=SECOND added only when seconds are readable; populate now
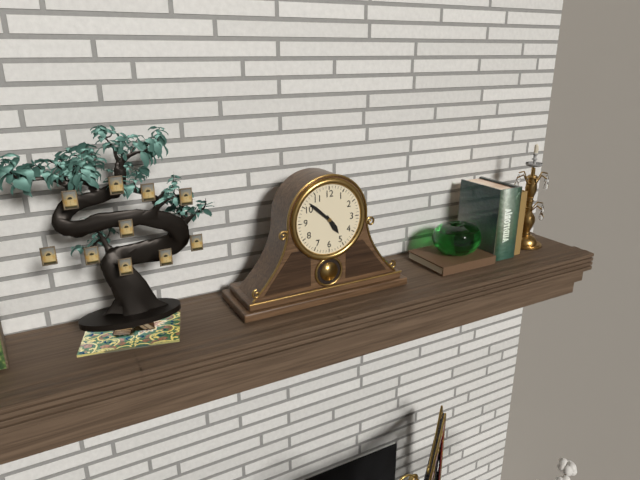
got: h=4 m=52
